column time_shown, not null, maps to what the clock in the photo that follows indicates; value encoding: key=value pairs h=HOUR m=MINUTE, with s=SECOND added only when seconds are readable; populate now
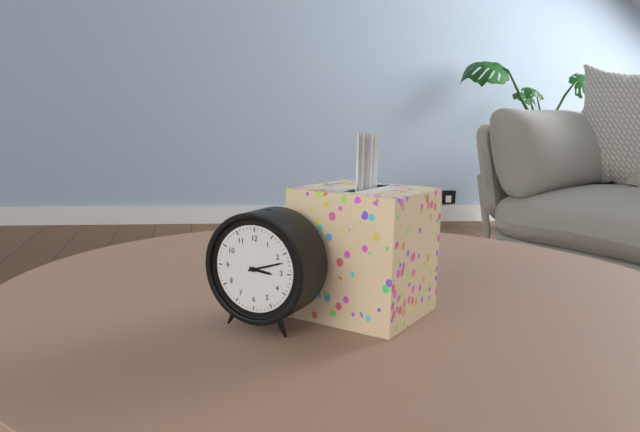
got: h=3 m=12
